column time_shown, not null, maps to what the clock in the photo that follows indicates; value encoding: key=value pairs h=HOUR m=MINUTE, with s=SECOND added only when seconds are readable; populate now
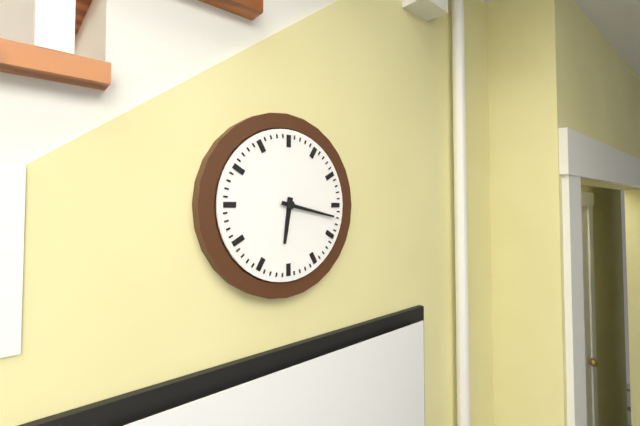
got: h=6 m=17
